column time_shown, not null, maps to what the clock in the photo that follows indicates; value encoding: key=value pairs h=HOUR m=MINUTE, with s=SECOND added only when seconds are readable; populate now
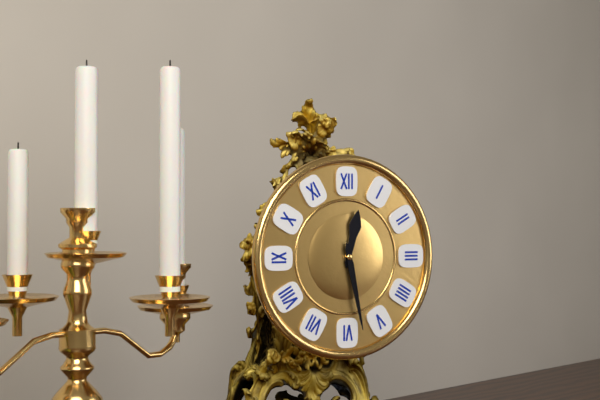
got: h=12 m=28
